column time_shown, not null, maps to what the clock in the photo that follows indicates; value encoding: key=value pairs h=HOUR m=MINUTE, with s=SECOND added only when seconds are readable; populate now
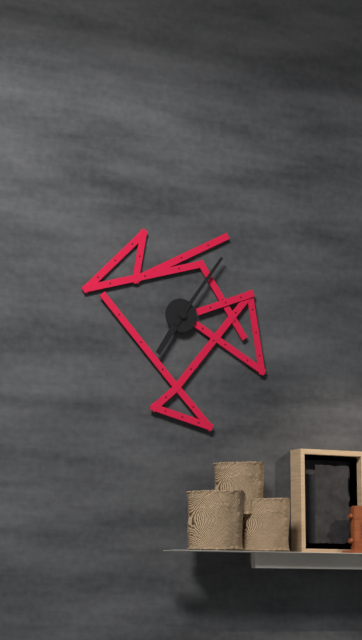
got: h=7 m=6
